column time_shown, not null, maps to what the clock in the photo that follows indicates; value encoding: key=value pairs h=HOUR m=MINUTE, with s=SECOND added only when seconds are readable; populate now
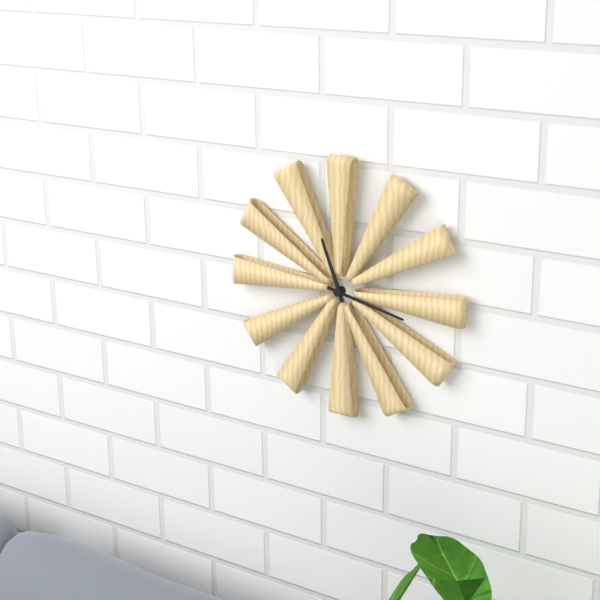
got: h=11 m=17
